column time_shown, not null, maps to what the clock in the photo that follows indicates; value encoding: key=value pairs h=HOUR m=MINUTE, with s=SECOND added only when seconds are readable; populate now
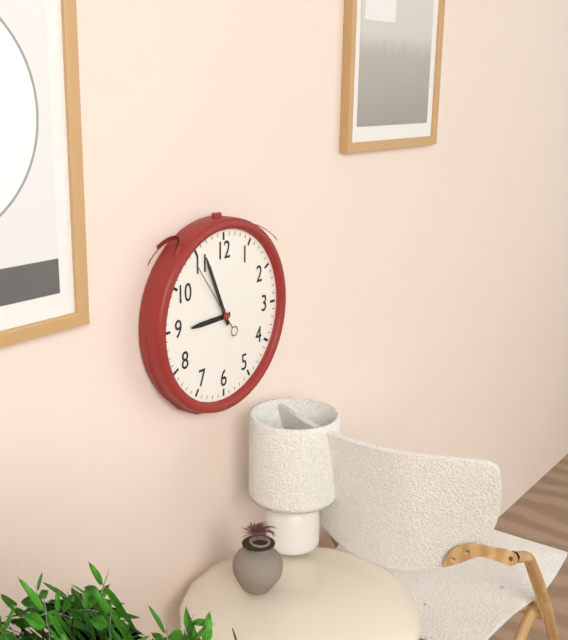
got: h=8 m=56 s=54
